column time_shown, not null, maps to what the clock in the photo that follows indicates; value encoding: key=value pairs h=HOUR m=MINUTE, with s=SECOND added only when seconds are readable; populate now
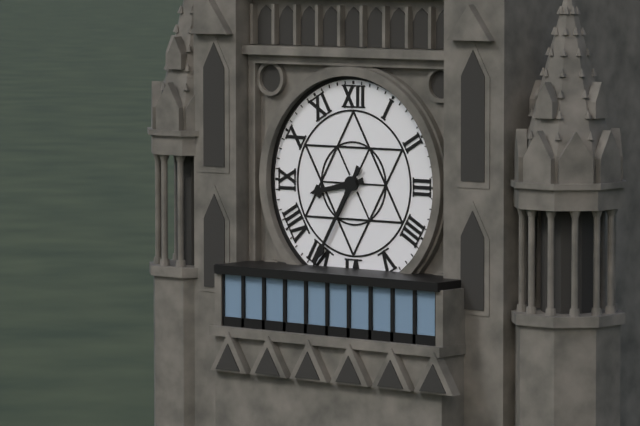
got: h=8 m=35
